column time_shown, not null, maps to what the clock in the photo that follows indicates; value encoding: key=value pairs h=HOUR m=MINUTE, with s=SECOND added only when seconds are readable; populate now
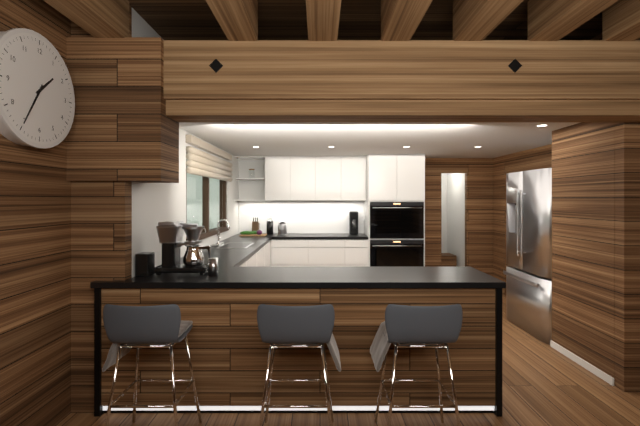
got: h=1 m=35
